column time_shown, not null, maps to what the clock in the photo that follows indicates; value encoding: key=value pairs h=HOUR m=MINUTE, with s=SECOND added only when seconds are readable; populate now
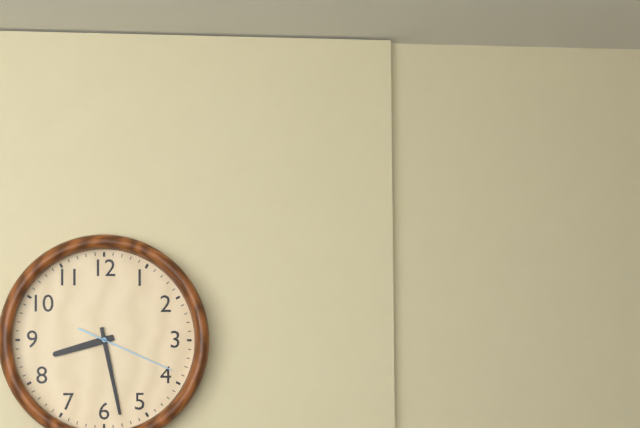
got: h=8 m=28 s=19
